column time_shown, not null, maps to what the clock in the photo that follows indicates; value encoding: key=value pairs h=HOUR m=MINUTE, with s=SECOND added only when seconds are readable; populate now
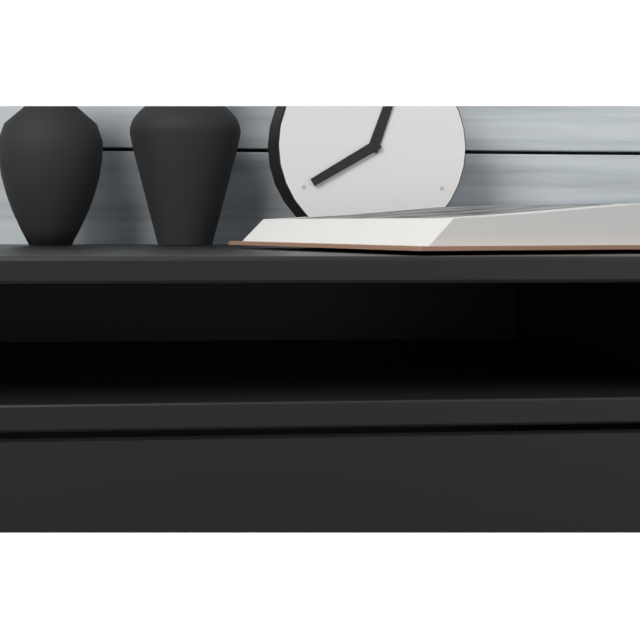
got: h=12 m=40
